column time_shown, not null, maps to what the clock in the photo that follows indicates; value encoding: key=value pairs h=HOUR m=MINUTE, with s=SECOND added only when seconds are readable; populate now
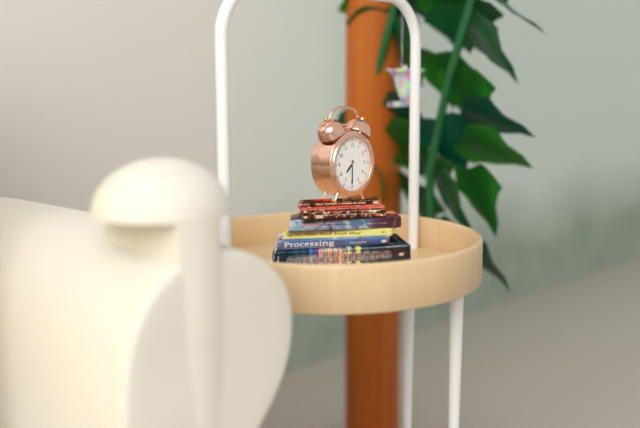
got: h=7 m=30
